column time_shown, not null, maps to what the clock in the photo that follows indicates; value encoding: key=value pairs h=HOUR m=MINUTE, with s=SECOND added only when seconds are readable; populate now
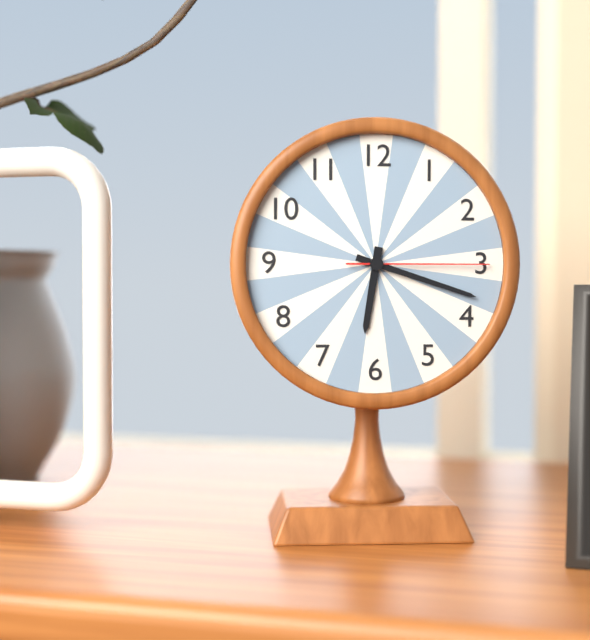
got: h=6 m=18 s=15
